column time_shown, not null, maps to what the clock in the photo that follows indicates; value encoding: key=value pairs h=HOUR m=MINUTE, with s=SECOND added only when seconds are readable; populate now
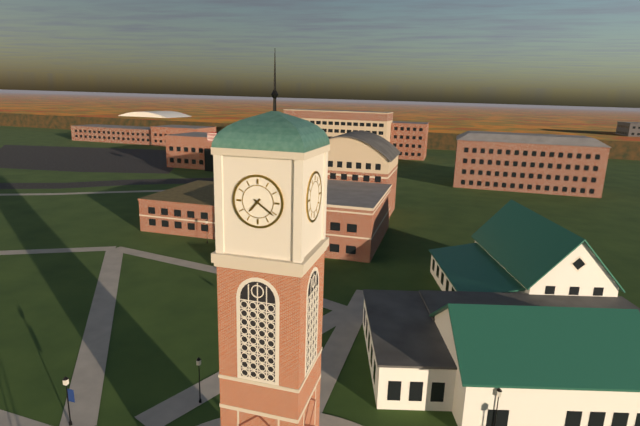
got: h=7 m=21
